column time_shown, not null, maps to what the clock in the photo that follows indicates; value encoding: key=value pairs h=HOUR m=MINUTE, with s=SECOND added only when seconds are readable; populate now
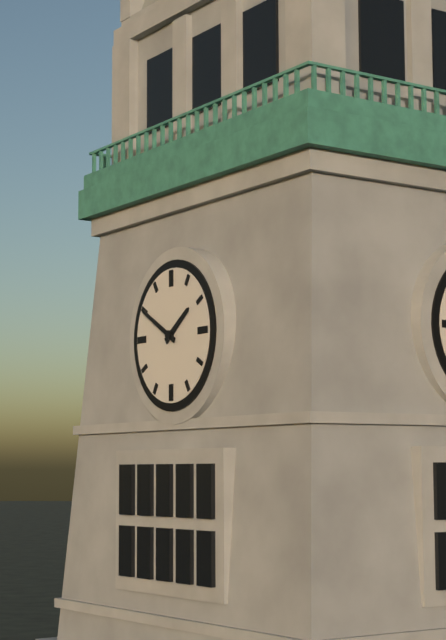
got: h=1 m=50
